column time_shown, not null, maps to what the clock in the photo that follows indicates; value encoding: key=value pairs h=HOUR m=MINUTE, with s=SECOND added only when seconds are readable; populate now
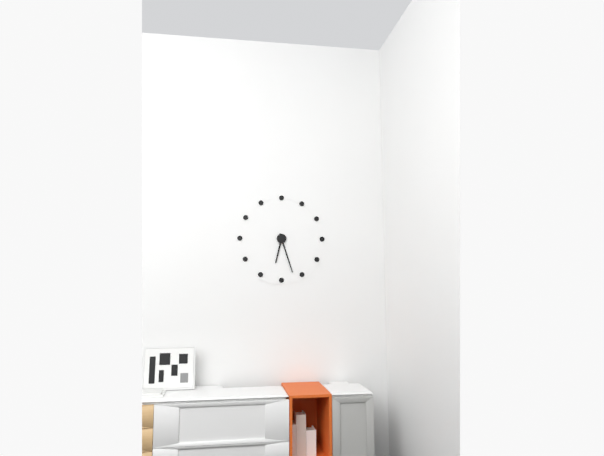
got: h=6 m=27
